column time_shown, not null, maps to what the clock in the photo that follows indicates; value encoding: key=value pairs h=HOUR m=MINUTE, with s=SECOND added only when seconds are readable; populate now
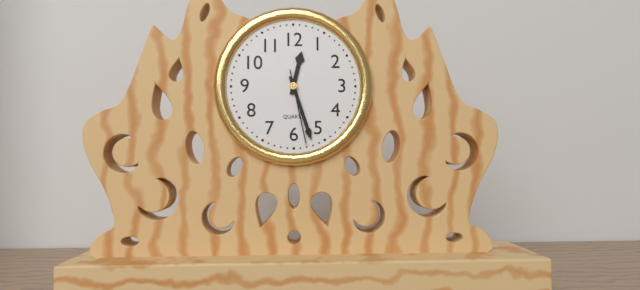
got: h=12 m=27 s=28
